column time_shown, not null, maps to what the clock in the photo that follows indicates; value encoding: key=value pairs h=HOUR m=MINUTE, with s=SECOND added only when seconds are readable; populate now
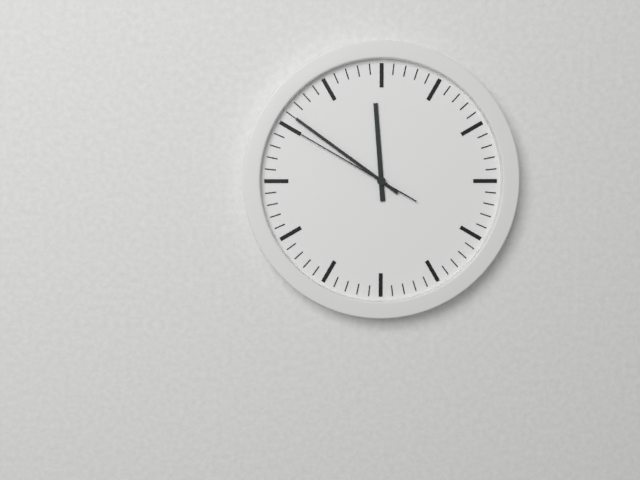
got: h=11 m=51 s=50
